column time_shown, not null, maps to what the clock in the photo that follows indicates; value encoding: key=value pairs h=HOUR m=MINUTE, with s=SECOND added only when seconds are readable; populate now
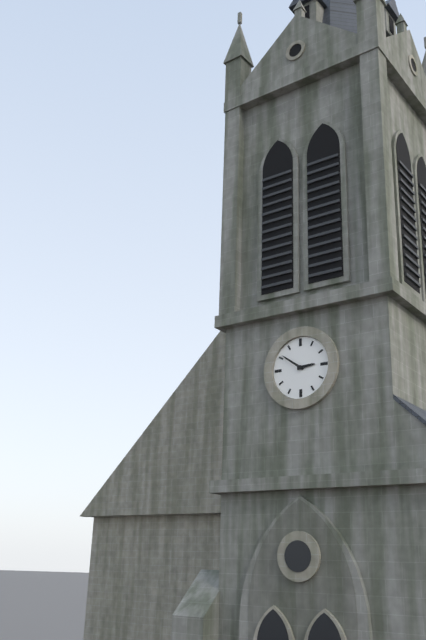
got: h=2 m=51
